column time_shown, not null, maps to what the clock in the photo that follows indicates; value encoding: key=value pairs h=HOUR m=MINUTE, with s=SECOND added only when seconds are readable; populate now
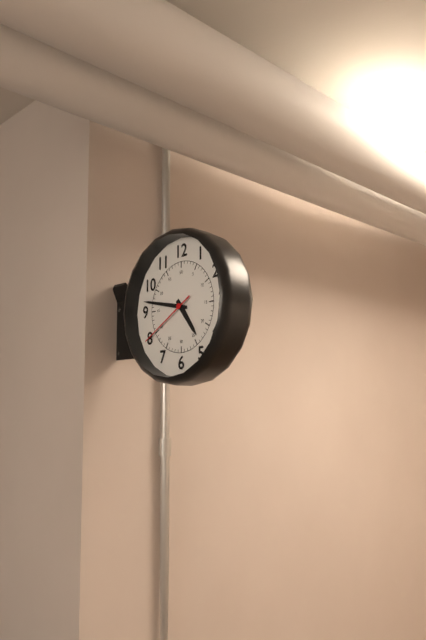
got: h=4 m=47 s=40
